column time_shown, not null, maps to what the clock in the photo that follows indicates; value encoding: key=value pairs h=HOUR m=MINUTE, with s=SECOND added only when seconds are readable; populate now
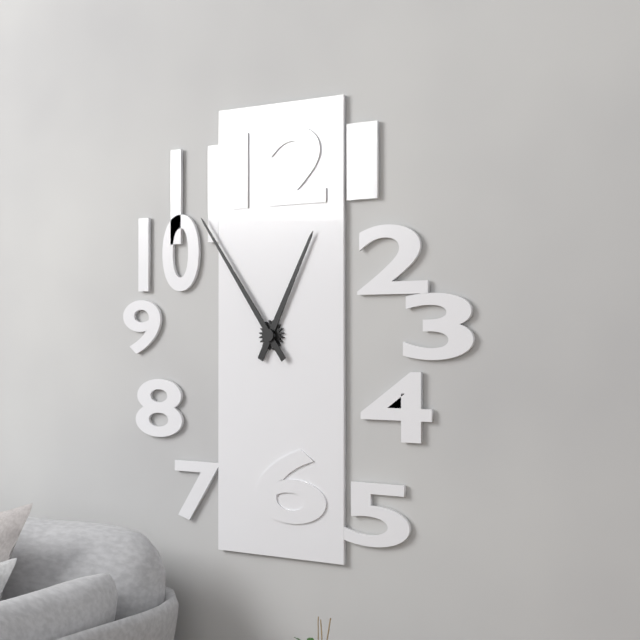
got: h=12 m=54
